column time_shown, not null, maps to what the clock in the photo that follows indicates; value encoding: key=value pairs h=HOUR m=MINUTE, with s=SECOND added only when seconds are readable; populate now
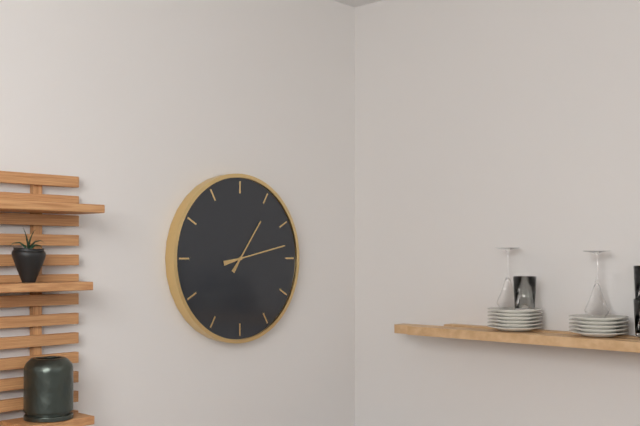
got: h=1 m=13
